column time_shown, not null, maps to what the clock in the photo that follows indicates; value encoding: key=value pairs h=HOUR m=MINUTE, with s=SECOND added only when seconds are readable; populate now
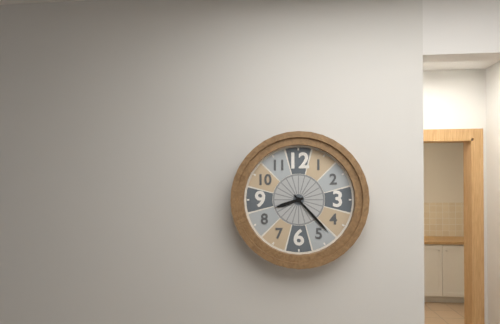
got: h=8 m=23
